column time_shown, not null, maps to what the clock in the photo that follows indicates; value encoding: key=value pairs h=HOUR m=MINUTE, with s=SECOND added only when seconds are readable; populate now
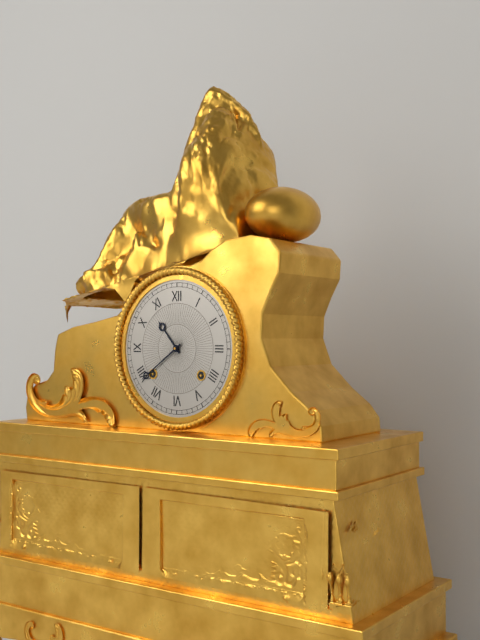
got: h=10 m=39
